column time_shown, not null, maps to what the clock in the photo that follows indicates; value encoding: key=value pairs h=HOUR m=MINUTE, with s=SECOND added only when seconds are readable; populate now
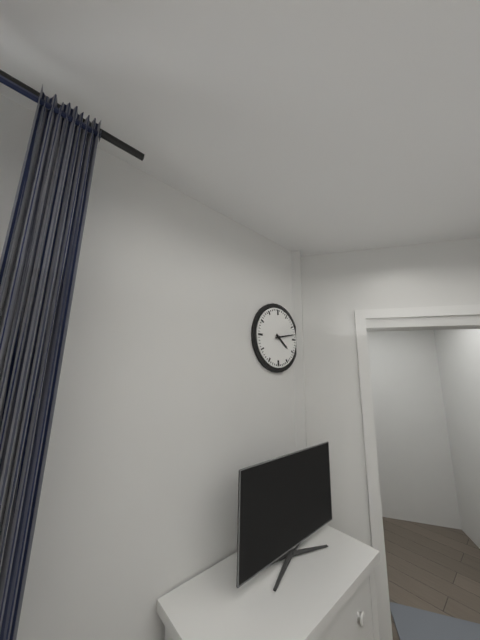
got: h=4 m=13
